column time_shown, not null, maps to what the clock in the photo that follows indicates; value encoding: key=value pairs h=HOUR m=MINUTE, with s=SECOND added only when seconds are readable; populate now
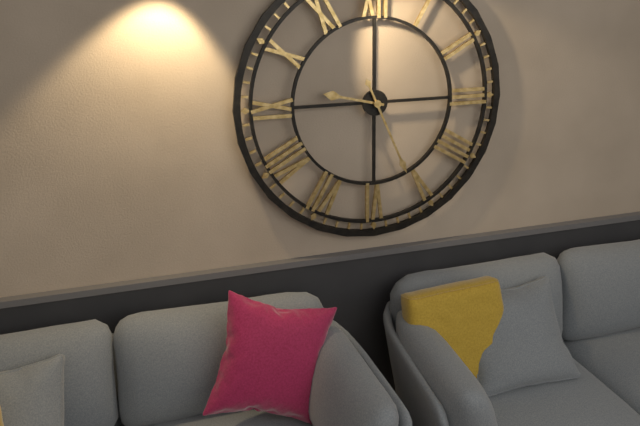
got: h=9 m=26
